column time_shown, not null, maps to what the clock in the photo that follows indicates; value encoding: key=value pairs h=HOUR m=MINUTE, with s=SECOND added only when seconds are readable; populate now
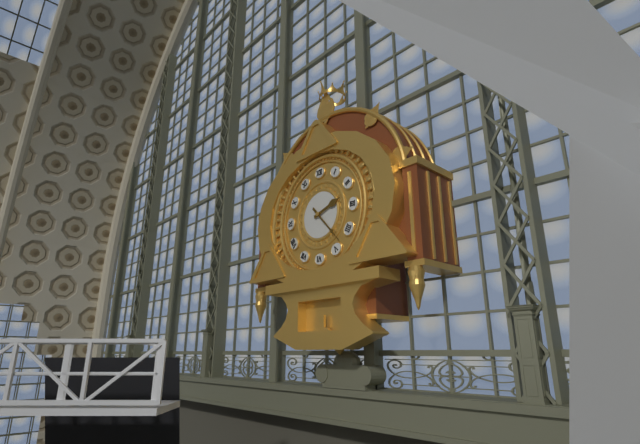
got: h=2 m=23
